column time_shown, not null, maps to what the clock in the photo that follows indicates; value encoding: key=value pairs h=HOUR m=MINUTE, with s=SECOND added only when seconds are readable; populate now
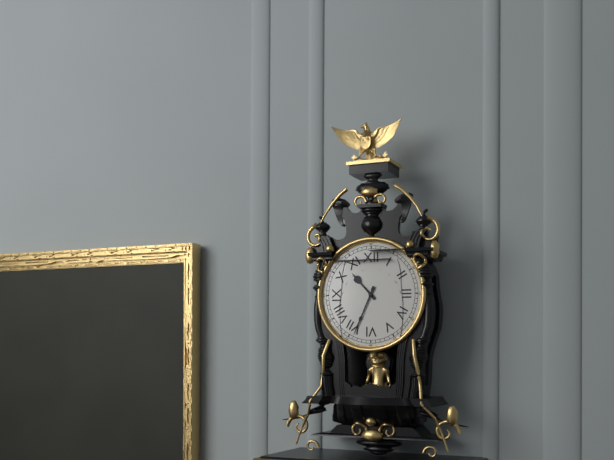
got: h=10 m=34
